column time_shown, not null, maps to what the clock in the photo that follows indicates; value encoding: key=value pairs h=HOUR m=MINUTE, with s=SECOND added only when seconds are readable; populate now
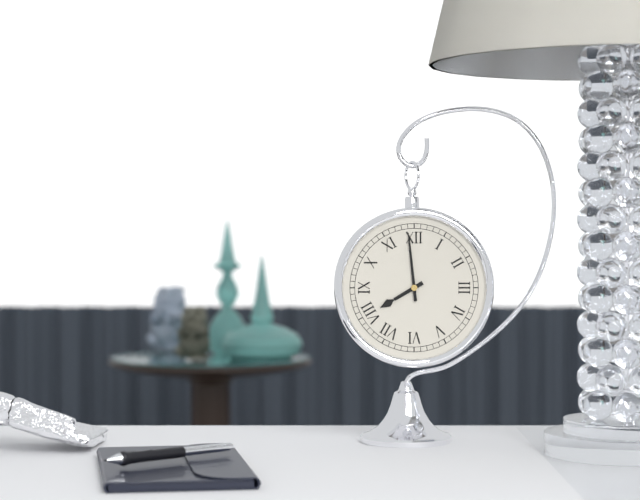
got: h=7 m=59
